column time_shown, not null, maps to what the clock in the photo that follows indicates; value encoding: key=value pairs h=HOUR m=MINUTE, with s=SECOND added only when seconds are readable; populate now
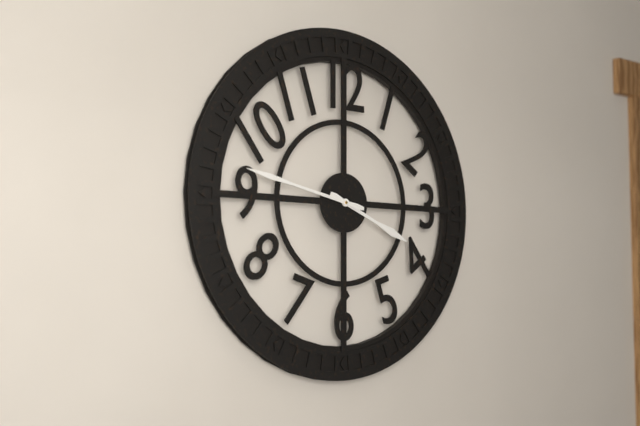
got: h=3 m=47
